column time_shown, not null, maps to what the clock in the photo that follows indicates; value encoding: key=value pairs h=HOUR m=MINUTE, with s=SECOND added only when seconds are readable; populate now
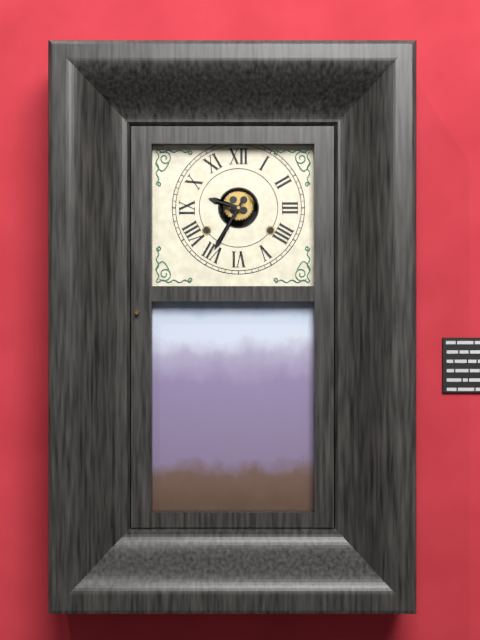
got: h=9 m=35
